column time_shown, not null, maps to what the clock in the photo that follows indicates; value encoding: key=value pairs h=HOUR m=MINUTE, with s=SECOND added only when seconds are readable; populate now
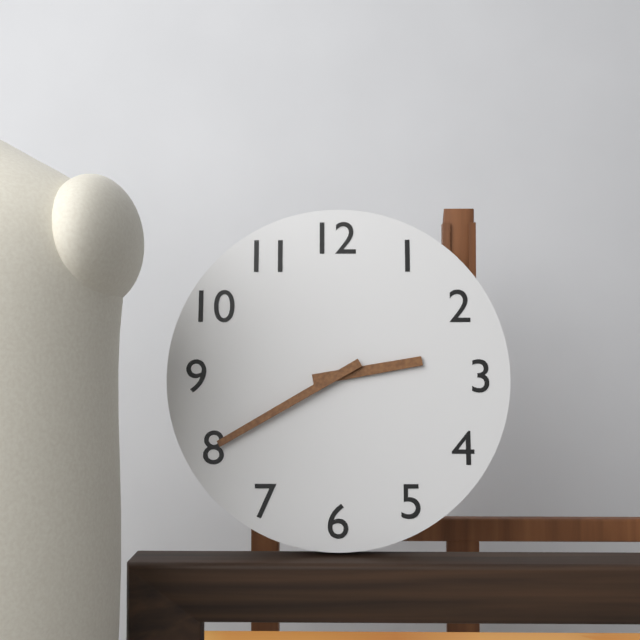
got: h=2 m=40
